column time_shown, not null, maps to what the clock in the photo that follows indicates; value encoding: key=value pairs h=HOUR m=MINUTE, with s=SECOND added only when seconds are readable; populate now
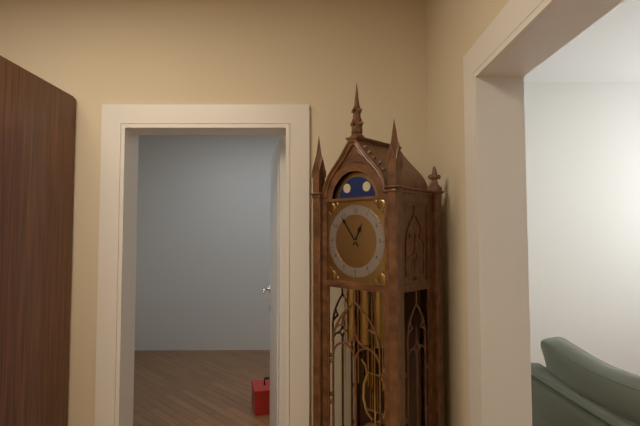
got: h=12 m=54
